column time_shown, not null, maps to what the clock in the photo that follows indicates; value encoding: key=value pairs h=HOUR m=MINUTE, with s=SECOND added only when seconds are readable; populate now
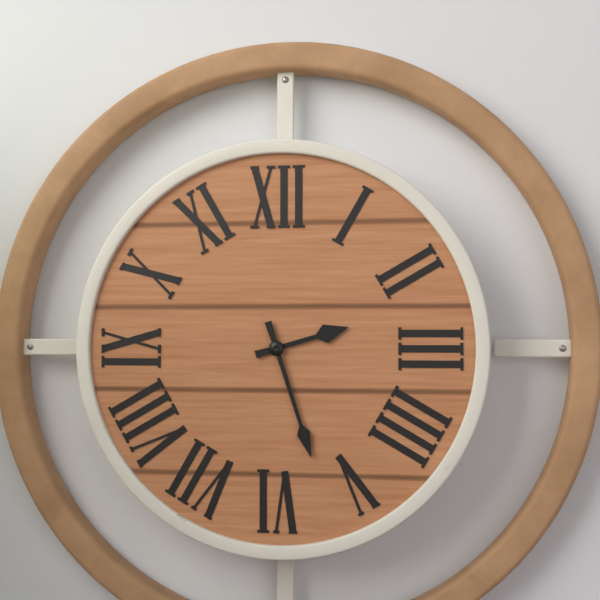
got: h=2 m=27
